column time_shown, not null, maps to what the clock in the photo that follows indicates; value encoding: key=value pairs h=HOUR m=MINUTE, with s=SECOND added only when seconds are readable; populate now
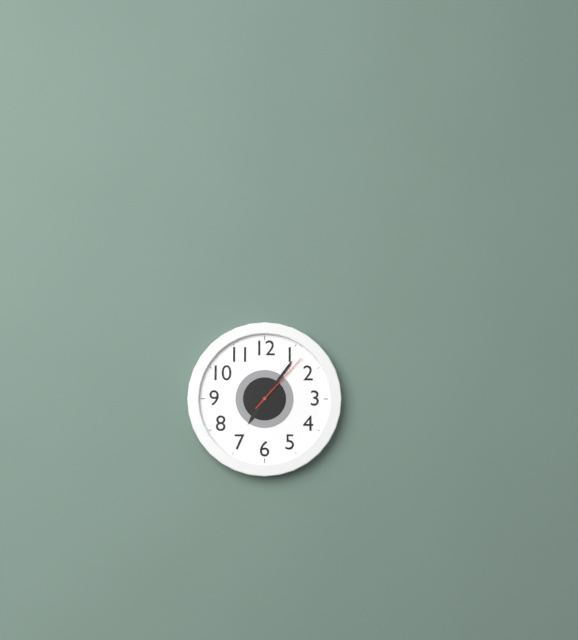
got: h=7 m=6 s=7
